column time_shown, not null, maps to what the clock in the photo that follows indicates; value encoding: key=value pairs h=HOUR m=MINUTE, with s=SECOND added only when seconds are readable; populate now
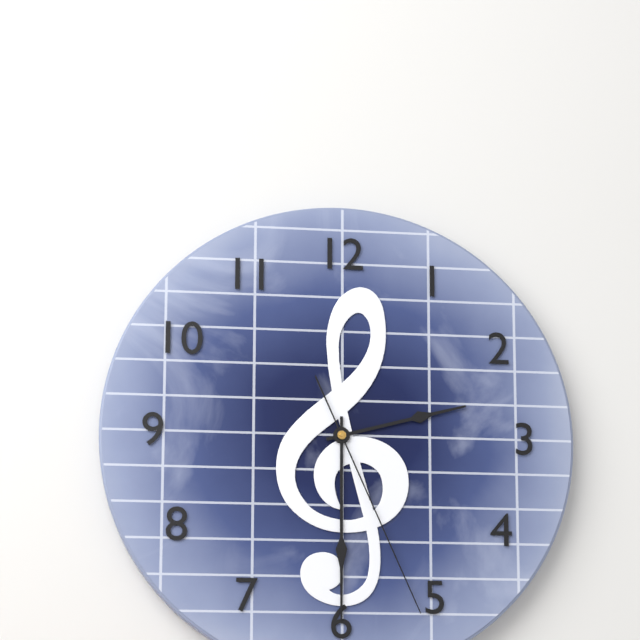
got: h=2 m=30 s=26
